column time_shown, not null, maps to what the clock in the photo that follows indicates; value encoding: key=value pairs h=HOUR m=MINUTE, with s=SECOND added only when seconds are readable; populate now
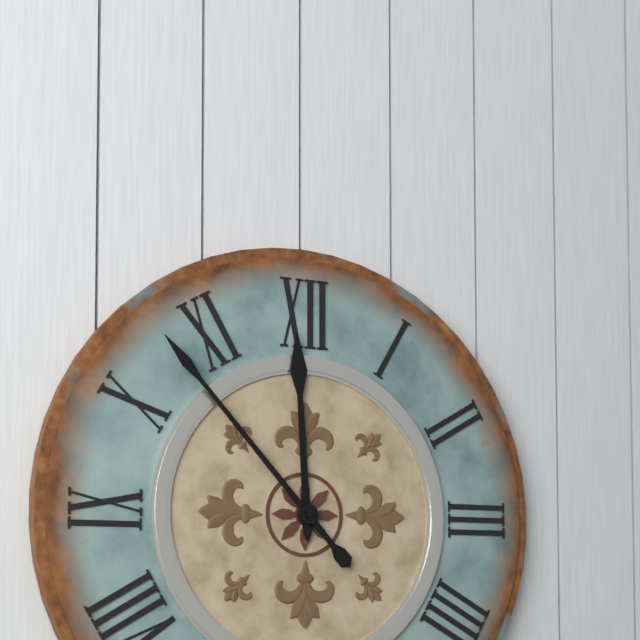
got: h=11 m=53
